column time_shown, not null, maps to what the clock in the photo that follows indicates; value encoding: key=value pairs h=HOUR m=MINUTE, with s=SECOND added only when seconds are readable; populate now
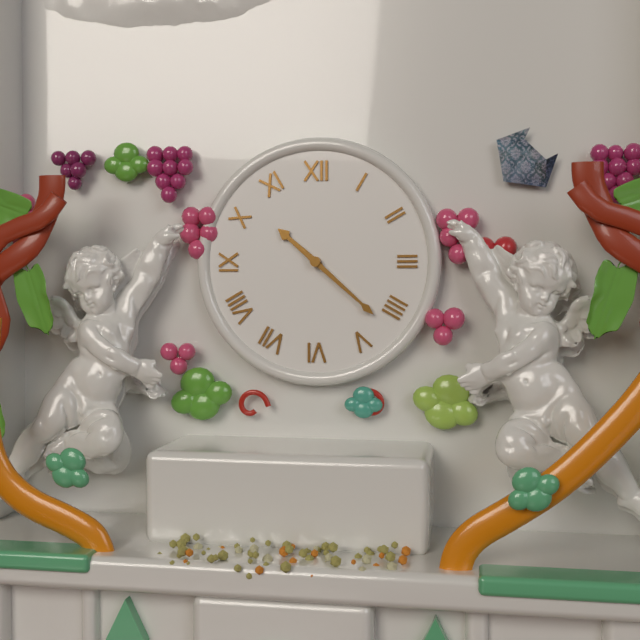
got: h=10 m=22
